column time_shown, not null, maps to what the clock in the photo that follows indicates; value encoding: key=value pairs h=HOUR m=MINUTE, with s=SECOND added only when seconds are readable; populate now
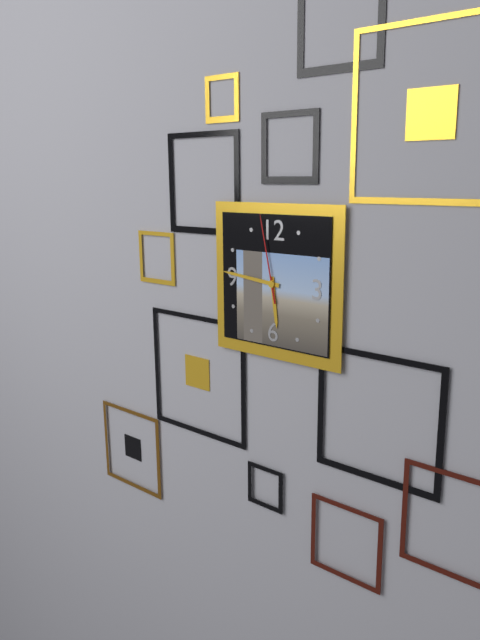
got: h=5 m=46 s=58
